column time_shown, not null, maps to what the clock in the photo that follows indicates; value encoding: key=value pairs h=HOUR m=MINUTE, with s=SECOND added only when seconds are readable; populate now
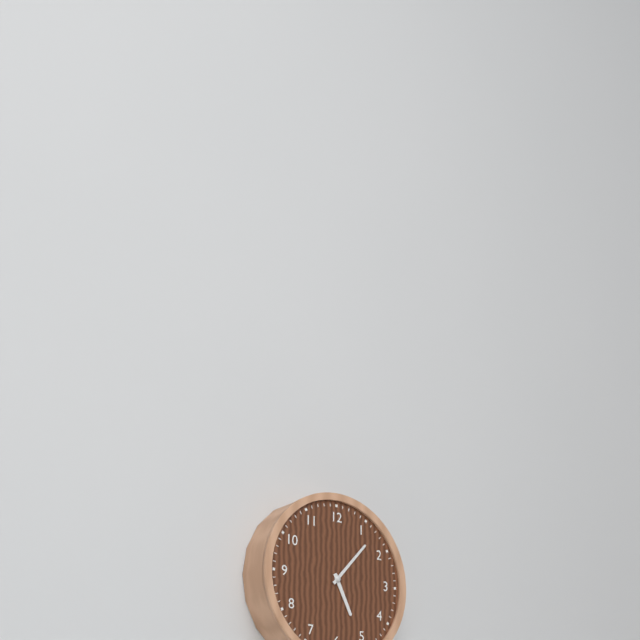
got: h=5 m=7
